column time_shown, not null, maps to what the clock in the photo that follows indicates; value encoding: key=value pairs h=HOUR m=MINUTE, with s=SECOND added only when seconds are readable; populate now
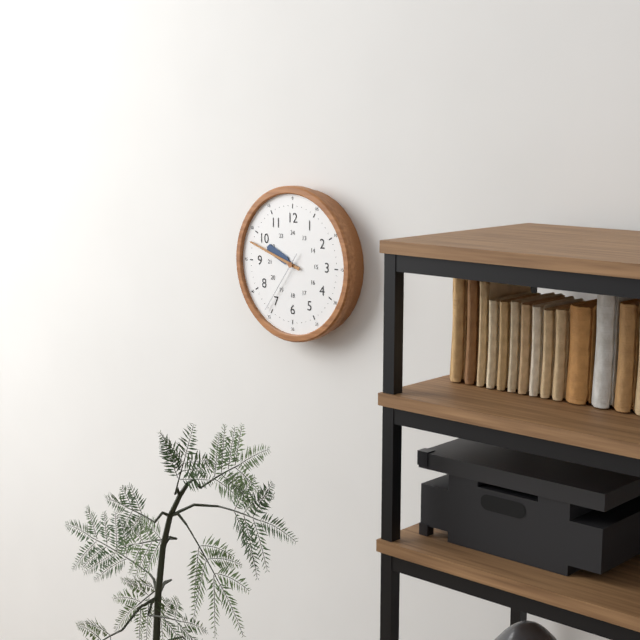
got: h=9 m=48 s=36
